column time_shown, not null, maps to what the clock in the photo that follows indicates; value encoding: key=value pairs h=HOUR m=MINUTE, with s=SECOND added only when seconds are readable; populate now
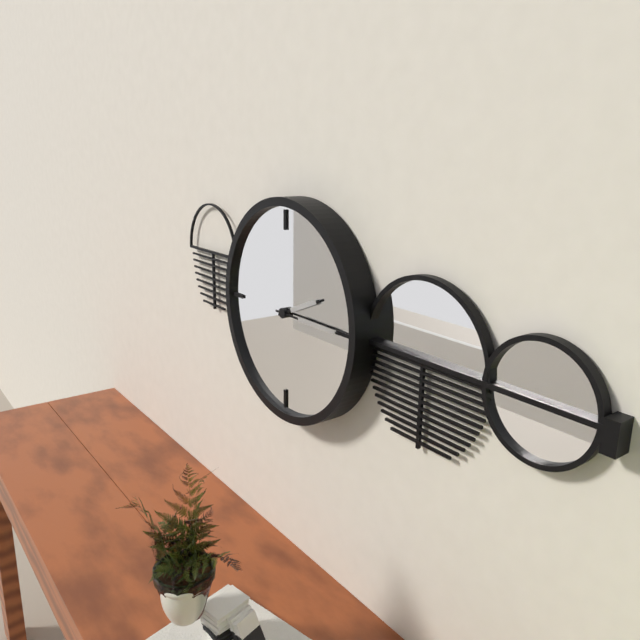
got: h=2 m=15
